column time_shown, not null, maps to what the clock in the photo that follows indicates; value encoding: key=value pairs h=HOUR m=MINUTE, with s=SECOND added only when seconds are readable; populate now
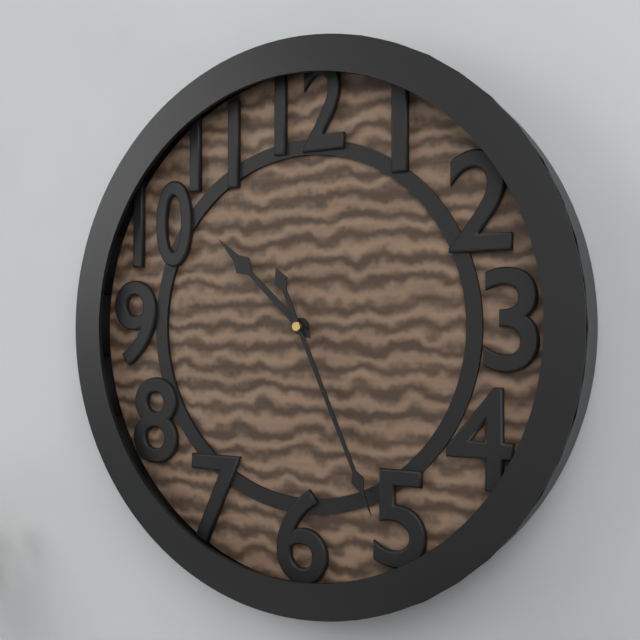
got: h=10 m=26
